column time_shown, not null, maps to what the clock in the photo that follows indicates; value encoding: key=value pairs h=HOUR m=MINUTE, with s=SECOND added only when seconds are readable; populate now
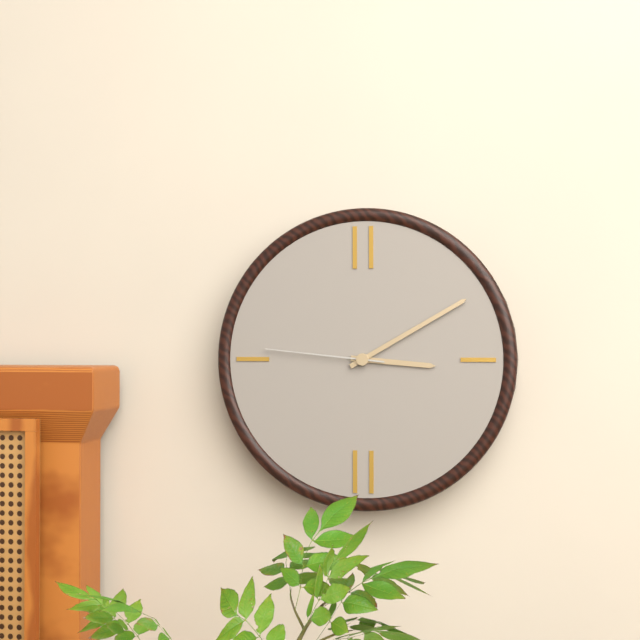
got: h=3 m=10 s=46
